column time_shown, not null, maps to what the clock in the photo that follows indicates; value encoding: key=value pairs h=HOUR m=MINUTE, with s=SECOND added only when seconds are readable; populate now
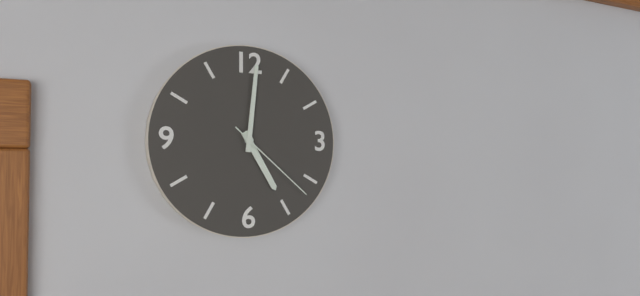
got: h=5 m=1 s=22
